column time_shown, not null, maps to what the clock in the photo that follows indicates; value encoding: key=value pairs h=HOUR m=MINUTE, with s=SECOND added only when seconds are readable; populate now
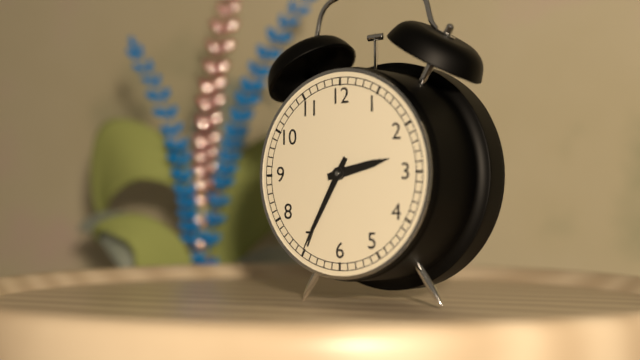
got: h=2 m=35
